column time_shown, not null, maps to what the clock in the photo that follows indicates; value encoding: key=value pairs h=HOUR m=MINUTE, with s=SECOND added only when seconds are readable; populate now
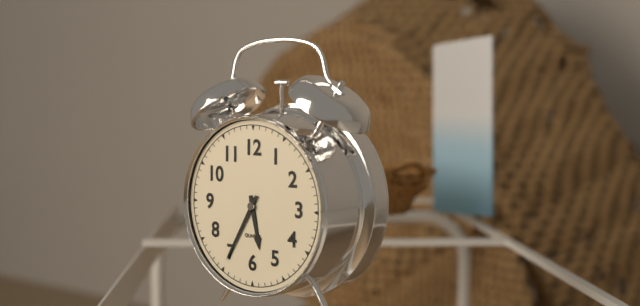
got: h=5 m=35
